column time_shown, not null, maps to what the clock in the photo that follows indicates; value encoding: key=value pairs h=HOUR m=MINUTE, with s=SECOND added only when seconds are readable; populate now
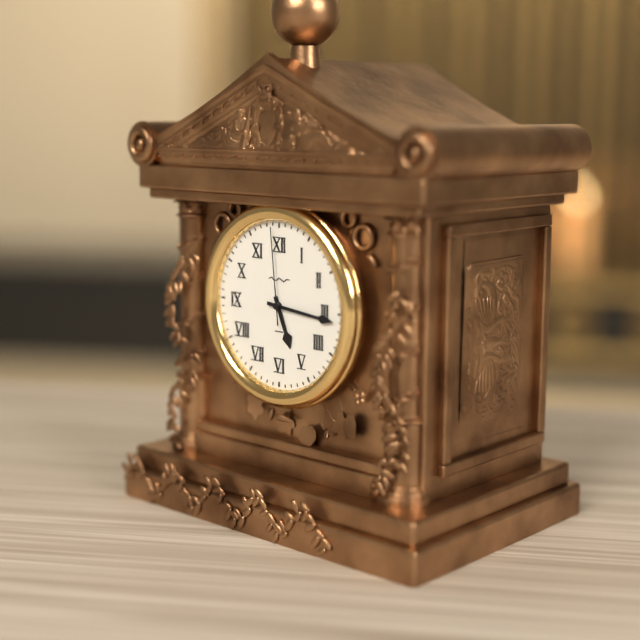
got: h=5 m=16 s=59
